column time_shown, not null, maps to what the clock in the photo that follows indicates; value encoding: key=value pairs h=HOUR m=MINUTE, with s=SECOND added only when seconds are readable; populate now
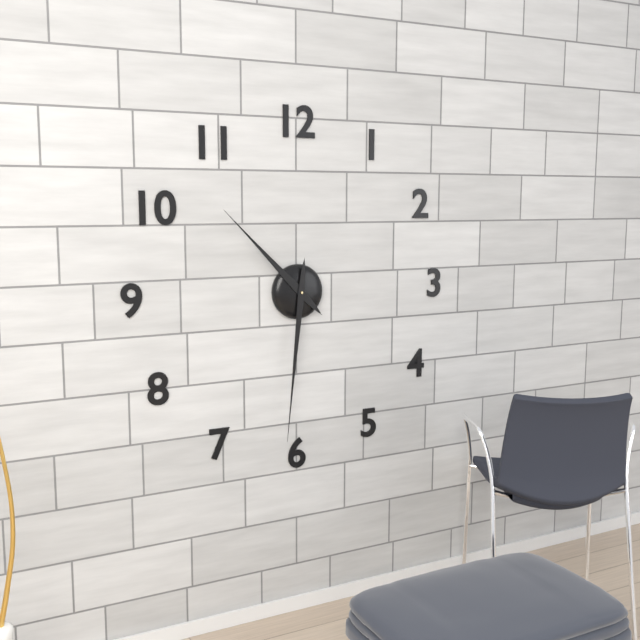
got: h=10 m=31
